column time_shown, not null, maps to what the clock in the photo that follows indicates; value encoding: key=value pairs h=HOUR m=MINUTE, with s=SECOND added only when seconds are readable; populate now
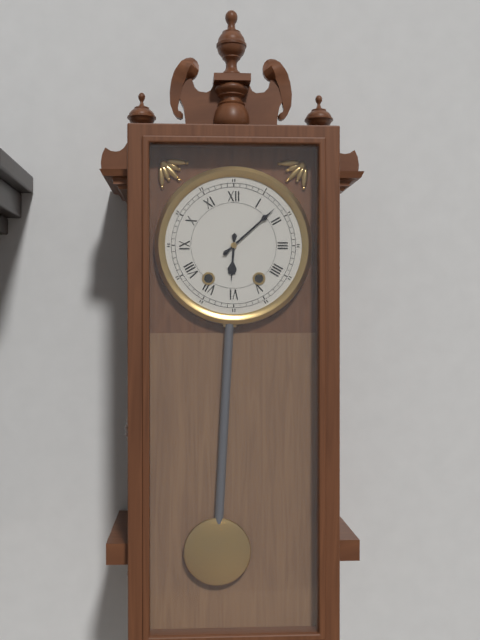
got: h=6 m=8
